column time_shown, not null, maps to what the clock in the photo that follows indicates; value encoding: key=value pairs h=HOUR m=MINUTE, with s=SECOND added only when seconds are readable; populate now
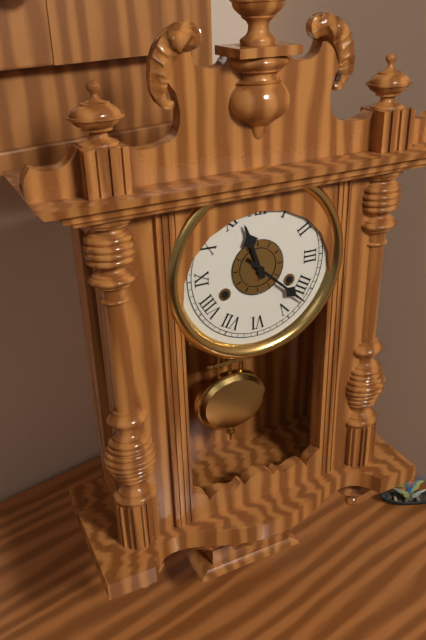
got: h=11 m=22
